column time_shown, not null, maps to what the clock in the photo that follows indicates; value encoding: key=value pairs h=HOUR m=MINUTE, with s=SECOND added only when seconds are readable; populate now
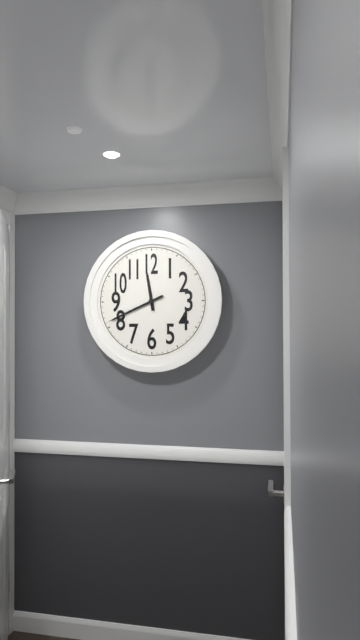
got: h=11 m=41
